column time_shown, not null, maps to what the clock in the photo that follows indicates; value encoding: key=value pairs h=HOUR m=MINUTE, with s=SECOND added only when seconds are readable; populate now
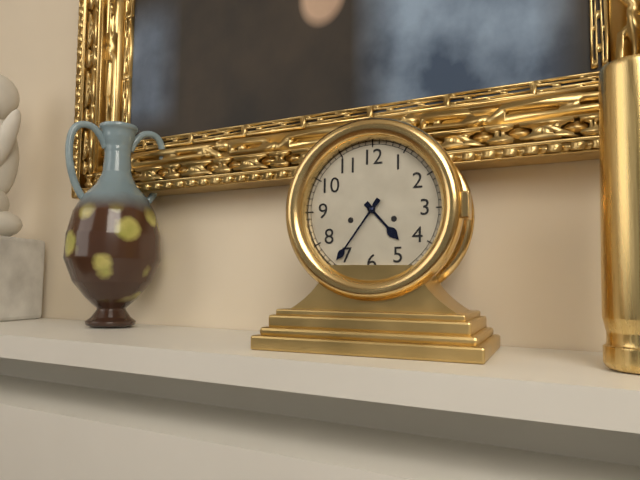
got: h=4 m=36
